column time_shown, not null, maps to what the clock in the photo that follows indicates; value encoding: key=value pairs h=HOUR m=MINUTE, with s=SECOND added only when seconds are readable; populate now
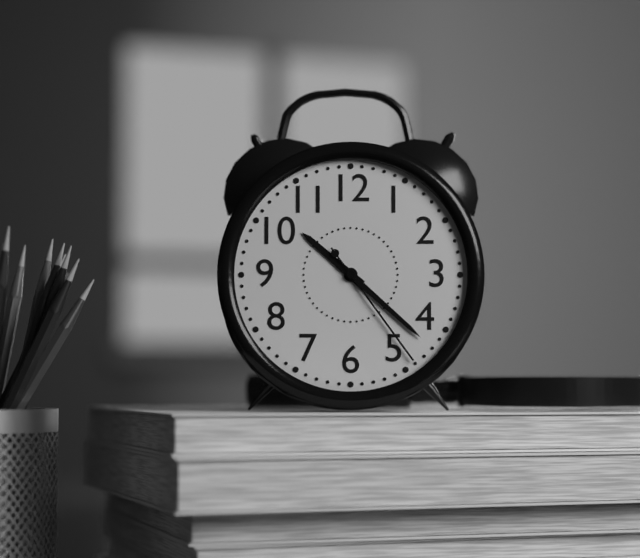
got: h=10 m=22 s=24
